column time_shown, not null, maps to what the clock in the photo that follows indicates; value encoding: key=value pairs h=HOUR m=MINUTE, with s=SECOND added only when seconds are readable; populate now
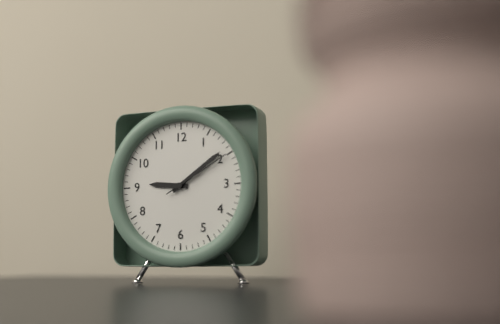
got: h=9 m=9 s=10
